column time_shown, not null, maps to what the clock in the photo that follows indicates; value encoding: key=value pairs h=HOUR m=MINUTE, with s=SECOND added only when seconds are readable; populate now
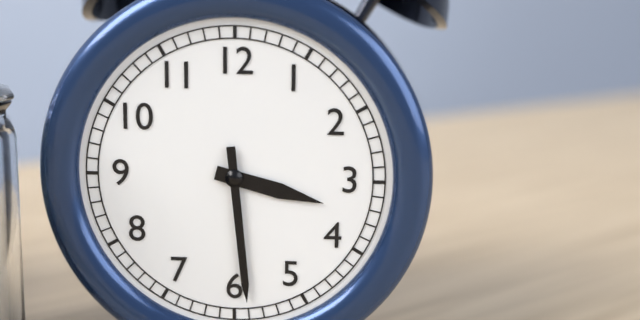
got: h=3 m=29
